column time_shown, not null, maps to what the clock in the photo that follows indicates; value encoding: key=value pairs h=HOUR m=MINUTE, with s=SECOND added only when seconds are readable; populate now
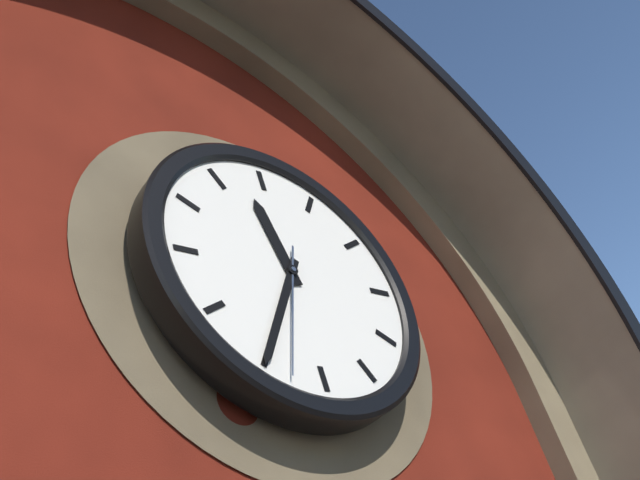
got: h=11 m=35 s=33
